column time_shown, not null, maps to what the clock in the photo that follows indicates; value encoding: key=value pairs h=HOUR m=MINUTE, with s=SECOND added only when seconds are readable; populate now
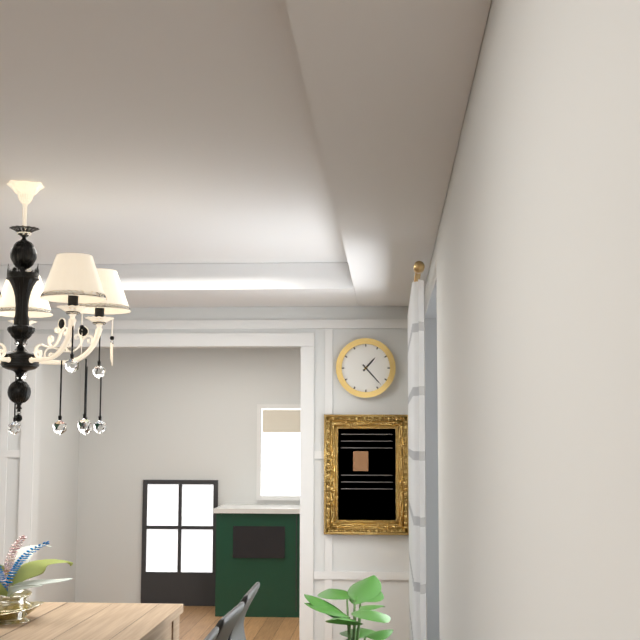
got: h=1 m=23
